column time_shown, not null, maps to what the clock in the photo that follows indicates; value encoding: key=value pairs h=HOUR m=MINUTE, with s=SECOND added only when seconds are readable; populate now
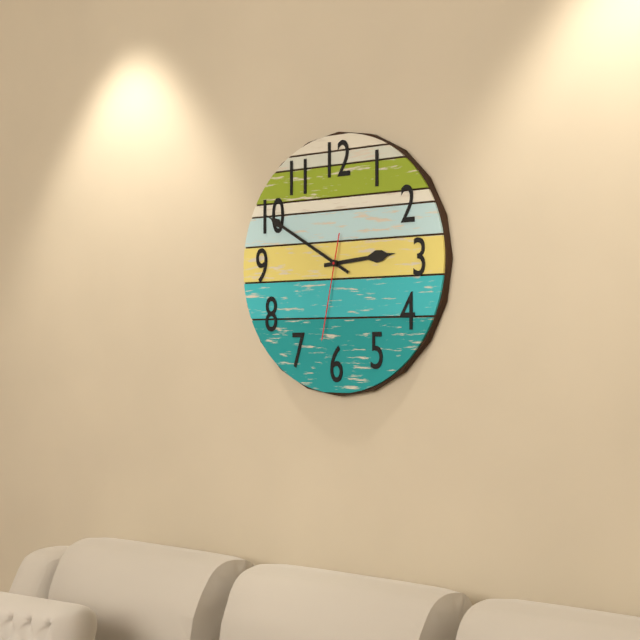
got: h=2 m=50 s=32
